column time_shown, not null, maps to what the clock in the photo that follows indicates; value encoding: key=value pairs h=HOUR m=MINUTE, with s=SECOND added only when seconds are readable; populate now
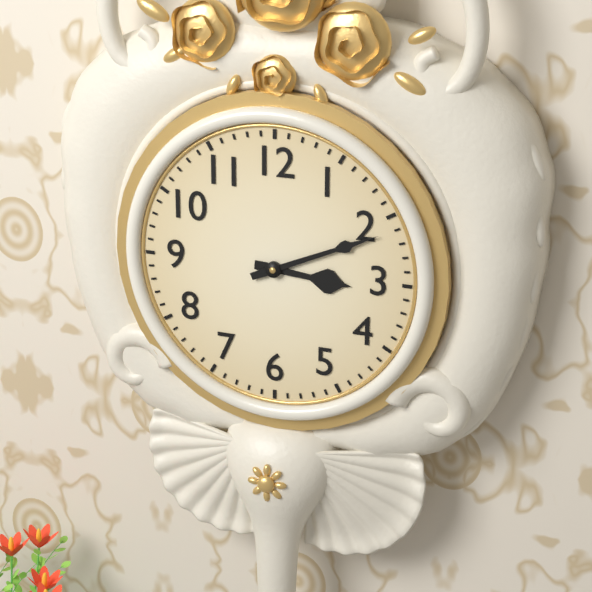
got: h=3 m=11
